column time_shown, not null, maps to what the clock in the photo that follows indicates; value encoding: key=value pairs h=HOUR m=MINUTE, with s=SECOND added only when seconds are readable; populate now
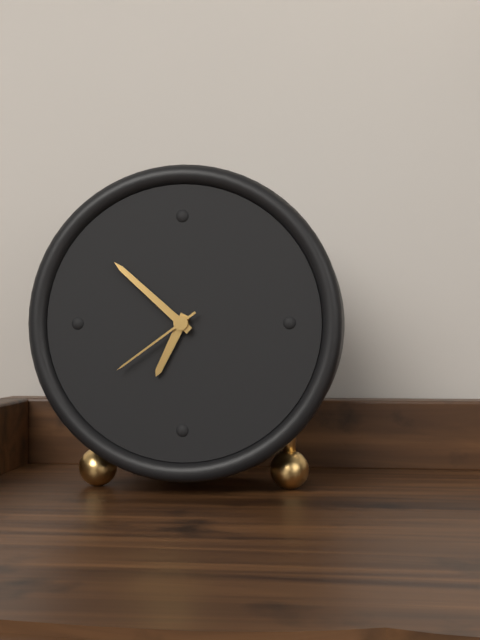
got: h=6 m=52 s=39
